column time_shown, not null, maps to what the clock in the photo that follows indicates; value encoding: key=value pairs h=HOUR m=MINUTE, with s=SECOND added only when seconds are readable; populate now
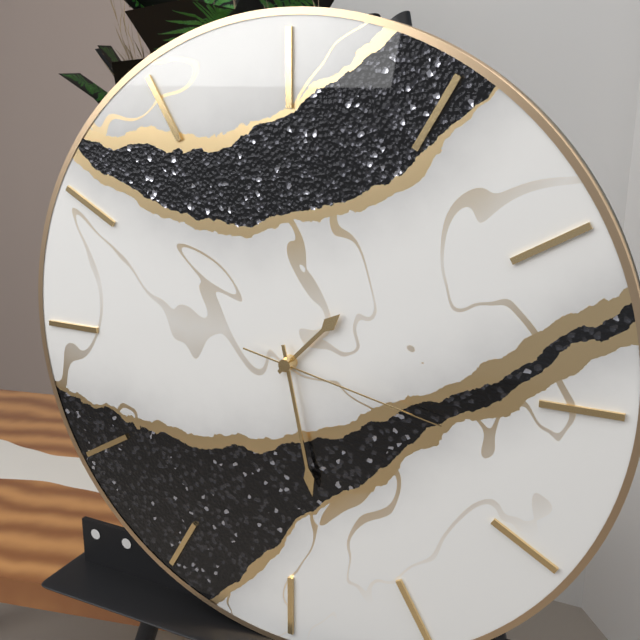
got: h=1 m=28 s=17
